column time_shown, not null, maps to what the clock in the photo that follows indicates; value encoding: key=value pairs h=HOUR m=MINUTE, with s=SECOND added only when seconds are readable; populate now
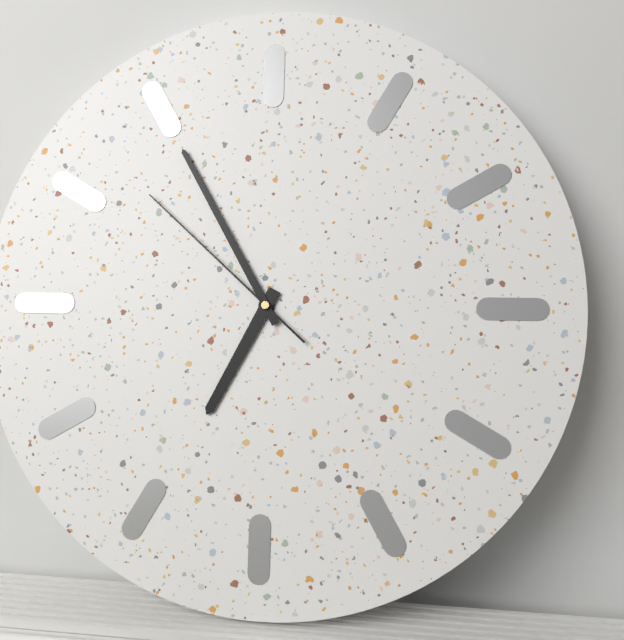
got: h=6 m=55 s=52
